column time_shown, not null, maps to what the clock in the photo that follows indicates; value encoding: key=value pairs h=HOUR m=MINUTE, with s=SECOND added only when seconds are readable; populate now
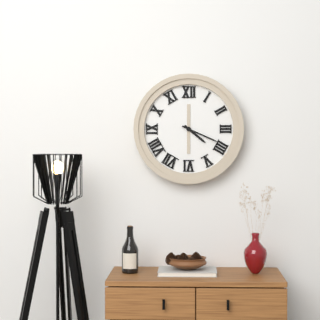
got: h=4 m=19
